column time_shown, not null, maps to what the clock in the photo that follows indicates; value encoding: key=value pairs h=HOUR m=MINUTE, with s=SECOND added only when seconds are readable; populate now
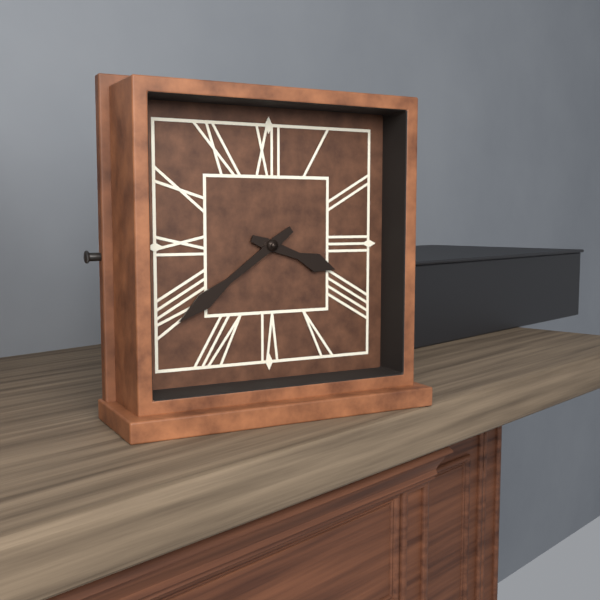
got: h=3 m=39
